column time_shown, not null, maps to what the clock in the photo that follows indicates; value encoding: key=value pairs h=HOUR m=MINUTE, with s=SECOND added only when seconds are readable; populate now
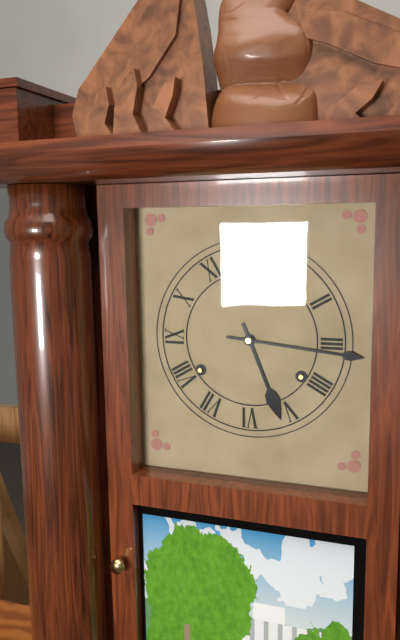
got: h=5 m=16
